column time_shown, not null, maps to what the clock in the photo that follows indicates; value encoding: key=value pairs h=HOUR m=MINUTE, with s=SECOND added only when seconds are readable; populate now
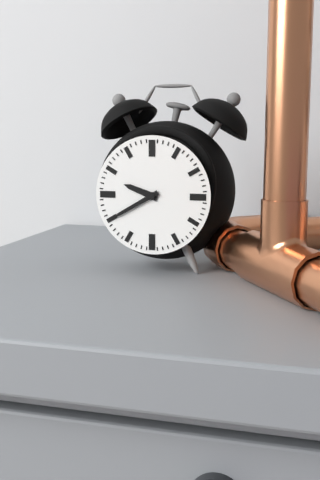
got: h=9 m=40
